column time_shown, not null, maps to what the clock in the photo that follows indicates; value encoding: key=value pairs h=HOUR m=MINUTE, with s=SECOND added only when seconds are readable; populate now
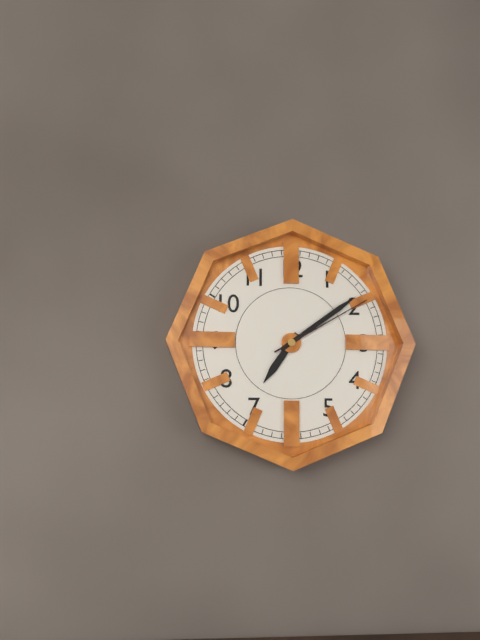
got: h=7 m=9 s=10
